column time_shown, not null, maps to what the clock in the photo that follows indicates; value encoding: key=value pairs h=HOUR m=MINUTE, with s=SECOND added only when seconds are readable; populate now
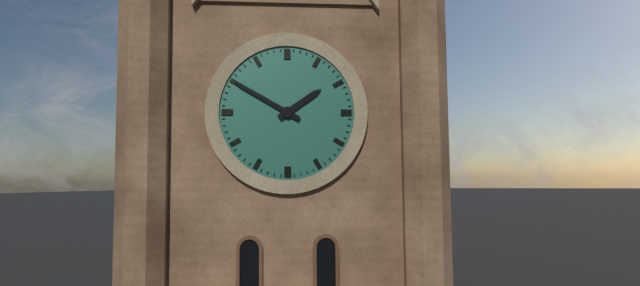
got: h=1 m=50
